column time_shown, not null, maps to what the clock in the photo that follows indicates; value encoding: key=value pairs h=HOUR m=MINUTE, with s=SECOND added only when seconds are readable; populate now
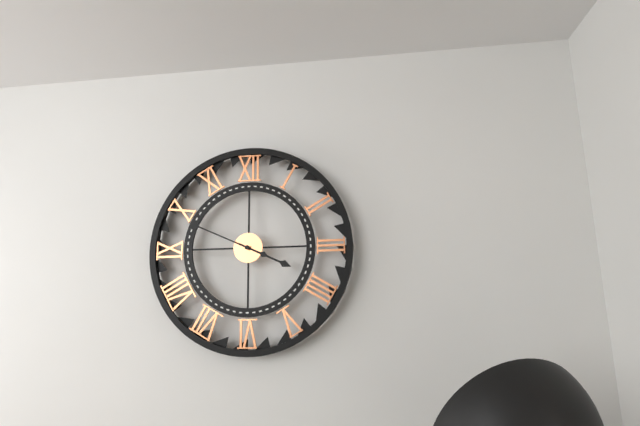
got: h=3 m=49
